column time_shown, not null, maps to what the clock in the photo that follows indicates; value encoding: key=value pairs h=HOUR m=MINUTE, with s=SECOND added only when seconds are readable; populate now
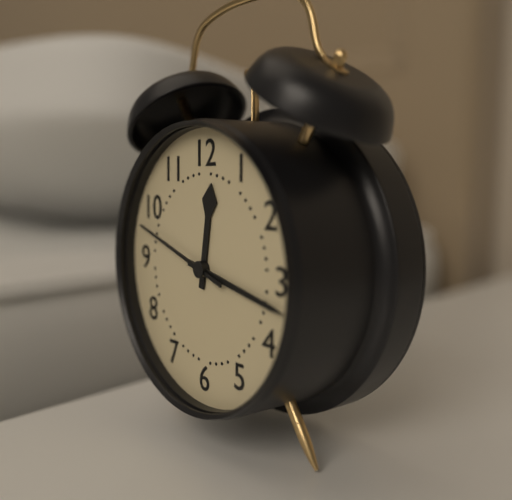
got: h=12 m=17 s=48
